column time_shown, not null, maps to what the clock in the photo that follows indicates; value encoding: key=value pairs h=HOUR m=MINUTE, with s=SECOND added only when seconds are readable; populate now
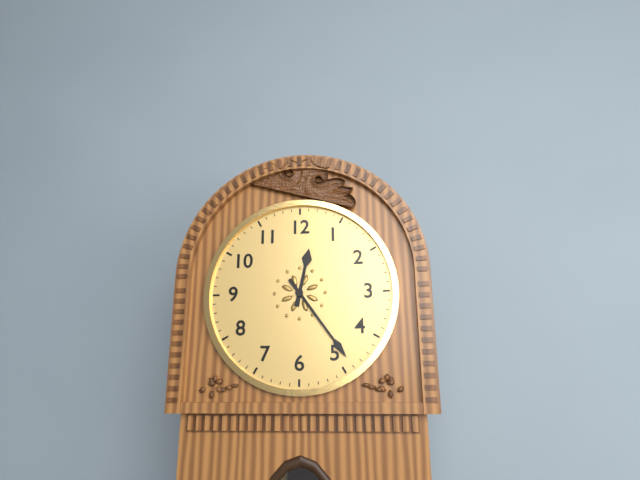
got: h=12 m=24
